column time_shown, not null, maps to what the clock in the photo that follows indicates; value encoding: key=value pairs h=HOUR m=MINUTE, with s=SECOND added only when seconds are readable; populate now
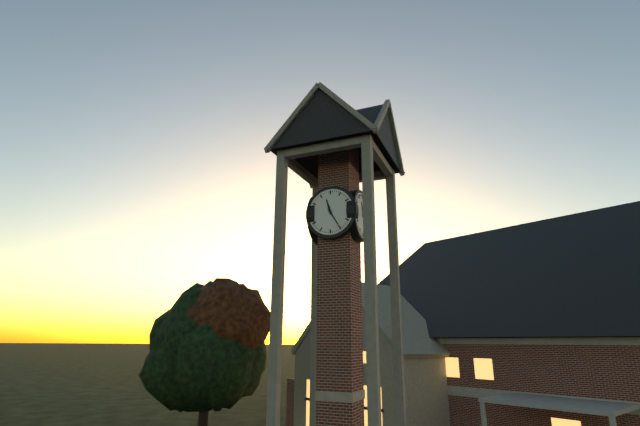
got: h=11 m=25
